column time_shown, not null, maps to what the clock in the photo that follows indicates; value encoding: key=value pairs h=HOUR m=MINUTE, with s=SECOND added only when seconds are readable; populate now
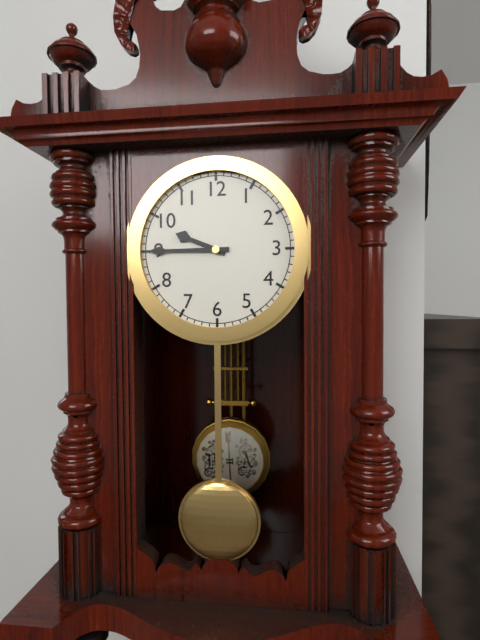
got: h=9 m=45
